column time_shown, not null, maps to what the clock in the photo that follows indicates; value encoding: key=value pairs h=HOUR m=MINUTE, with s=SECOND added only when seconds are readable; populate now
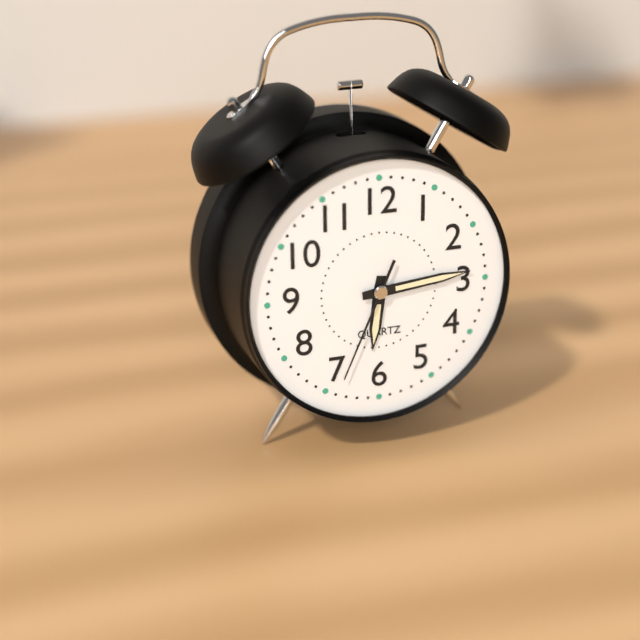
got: h=6 m=14 s=34
